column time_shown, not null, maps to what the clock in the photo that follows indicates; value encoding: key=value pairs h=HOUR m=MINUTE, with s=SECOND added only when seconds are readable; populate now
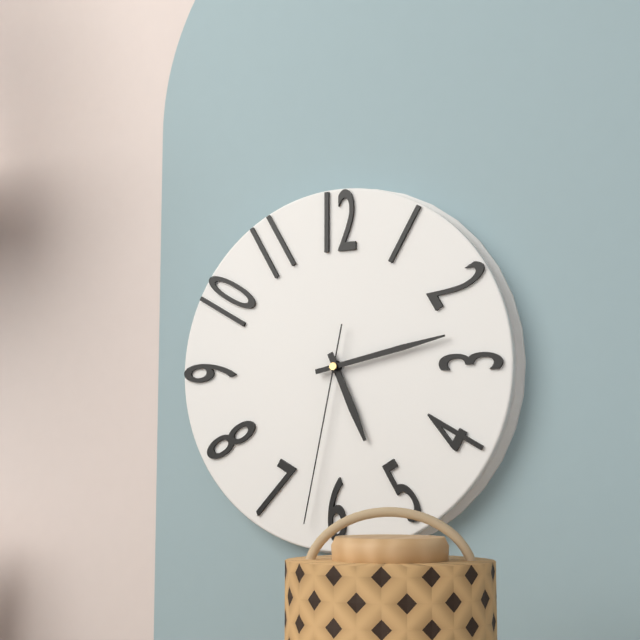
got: h=5 m=13 s=32
